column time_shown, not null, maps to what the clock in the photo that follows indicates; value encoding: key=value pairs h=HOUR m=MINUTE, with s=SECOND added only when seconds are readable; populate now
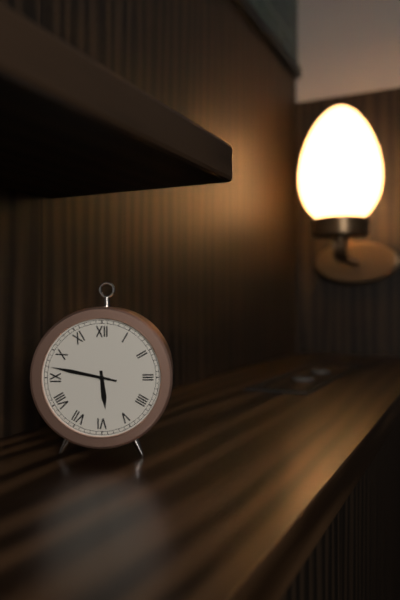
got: h=5 m=47 s=47
